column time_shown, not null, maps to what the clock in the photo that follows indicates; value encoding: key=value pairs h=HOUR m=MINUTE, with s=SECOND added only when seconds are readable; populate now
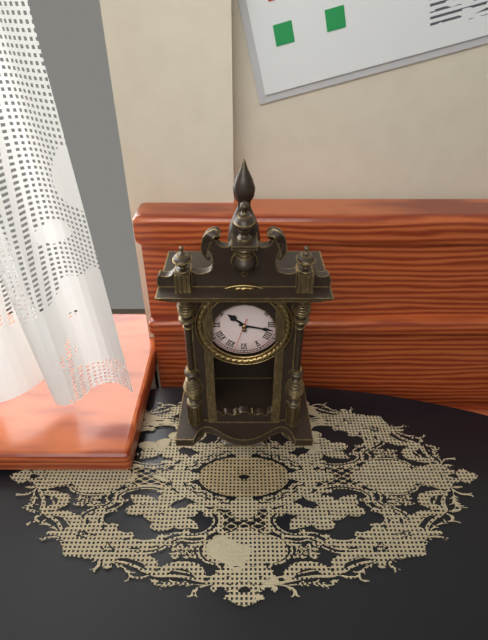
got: h=10 m=17
